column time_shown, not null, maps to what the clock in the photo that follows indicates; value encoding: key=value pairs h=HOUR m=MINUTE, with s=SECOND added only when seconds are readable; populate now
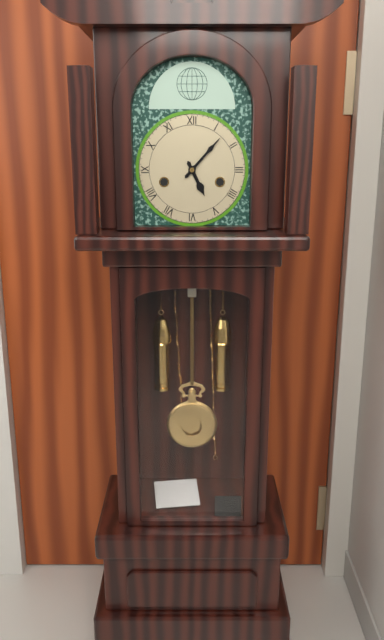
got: h=5 m=7
